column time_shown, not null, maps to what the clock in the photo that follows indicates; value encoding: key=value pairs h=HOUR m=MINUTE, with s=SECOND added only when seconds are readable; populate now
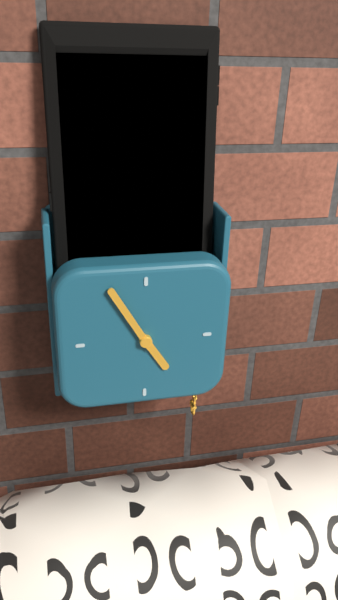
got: h=4 m=55
